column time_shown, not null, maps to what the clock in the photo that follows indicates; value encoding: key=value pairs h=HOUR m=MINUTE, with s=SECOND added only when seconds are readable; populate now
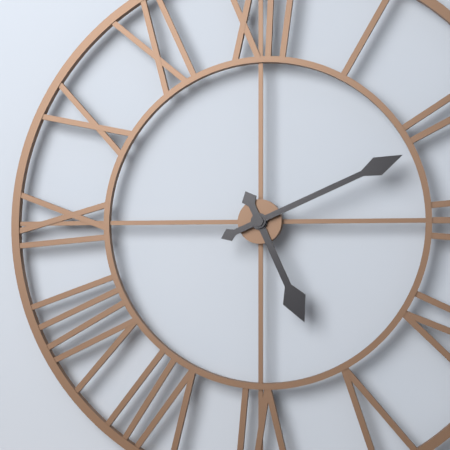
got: h=5 m=11
